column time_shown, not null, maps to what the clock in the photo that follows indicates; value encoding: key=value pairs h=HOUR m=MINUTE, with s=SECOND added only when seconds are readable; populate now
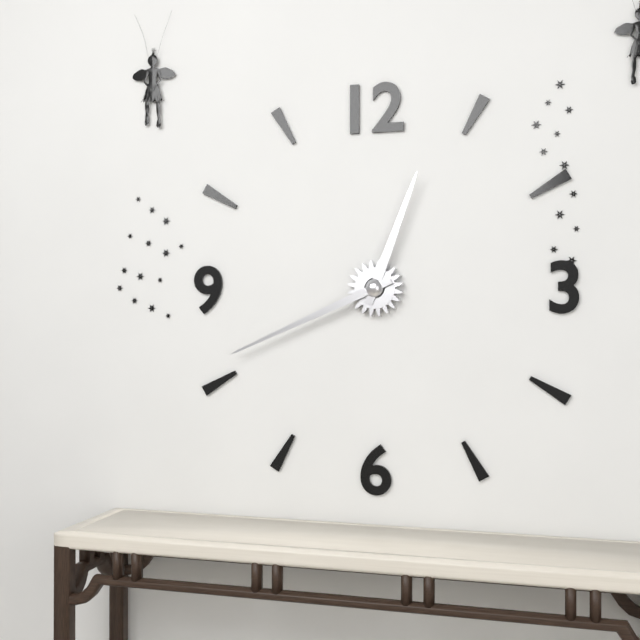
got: h=12 m=41
